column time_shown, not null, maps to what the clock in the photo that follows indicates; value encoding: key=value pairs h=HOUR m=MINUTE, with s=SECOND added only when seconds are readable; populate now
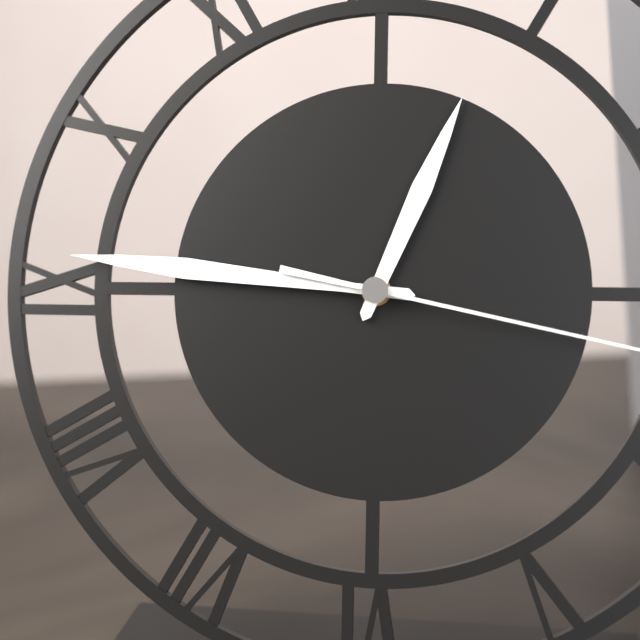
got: h=12 m=46
